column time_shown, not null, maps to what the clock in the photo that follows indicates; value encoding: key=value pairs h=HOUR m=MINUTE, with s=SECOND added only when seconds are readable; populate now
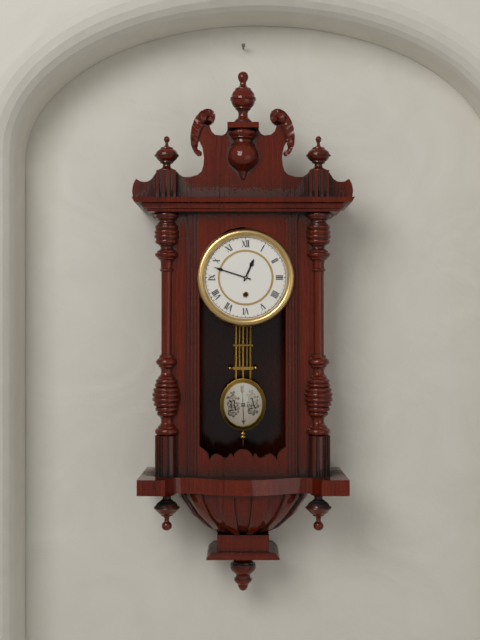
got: h=12 m=48
